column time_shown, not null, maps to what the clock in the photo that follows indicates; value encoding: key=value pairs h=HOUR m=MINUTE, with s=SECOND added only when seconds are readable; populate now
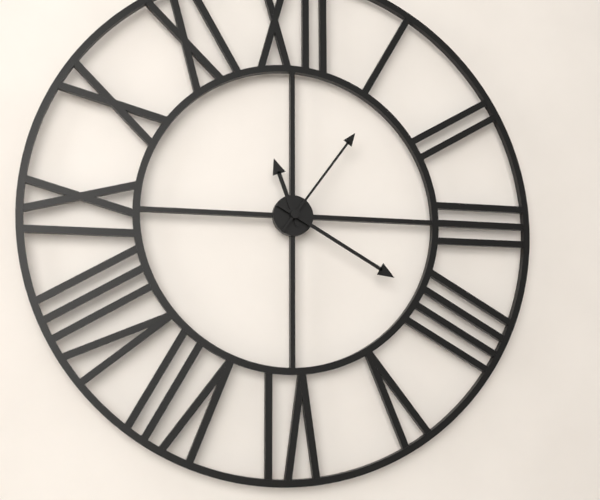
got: h=11 m=20 s=6
